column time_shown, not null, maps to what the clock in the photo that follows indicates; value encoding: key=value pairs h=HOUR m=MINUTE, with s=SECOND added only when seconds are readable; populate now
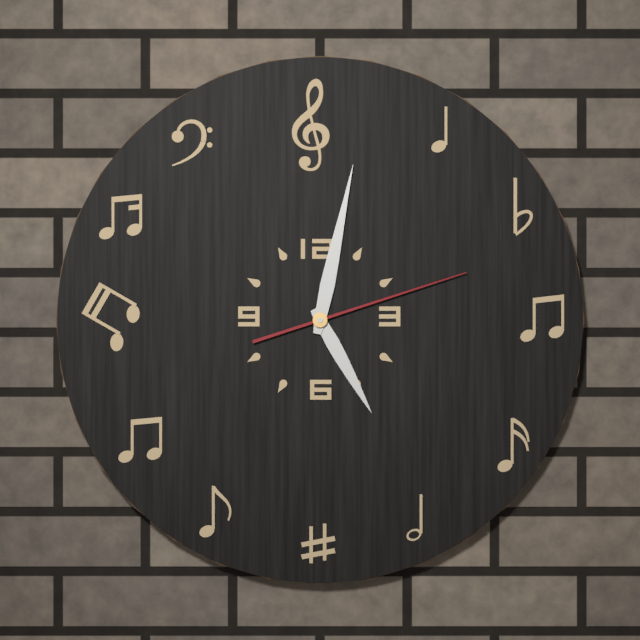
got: h=5 m=2 s=12
